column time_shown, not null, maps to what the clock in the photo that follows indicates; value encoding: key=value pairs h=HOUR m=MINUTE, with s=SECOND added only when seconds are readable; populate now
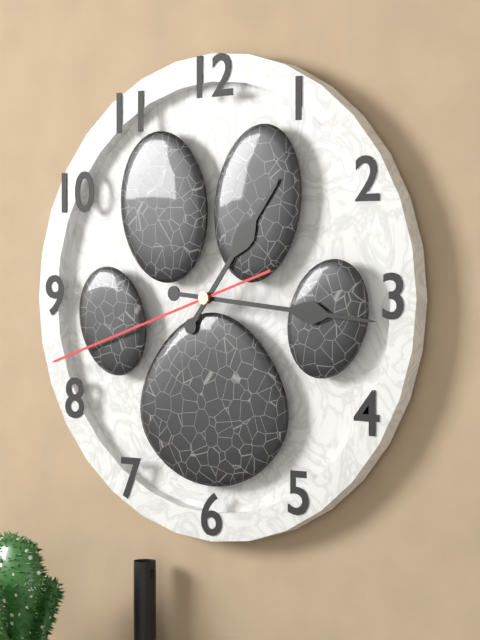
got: h=1 m=16 s=42
